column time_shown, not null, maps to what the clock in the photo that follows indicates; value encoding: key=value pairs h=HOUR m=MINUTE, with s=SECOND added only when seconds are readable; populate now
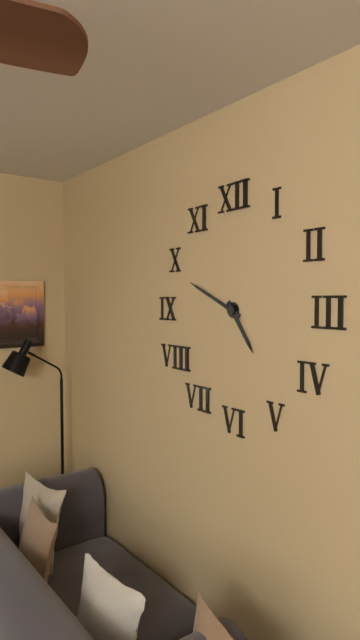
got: h=4 m=49
